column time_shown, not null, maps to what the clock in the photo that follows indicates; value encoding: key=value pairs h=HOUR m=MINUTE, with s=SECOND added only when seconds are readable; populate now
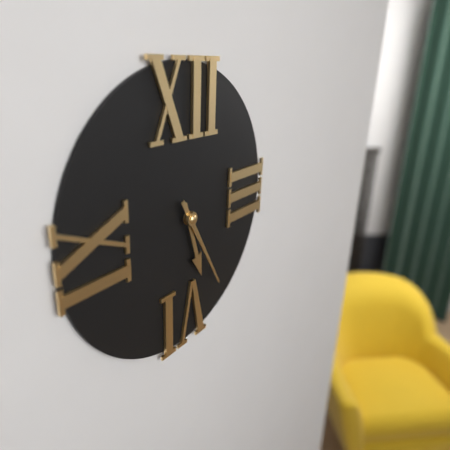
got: h=5 m=25
